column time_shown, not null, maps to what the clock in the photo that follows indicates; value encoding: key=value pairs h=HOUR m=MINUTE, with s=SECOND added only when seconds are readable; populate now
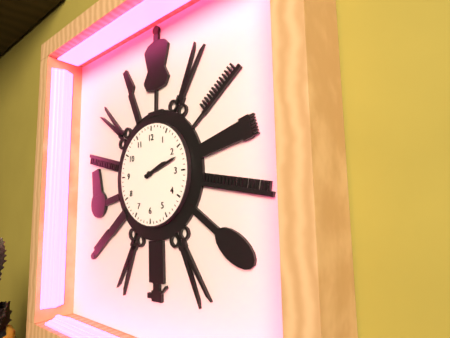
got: h=2 m=12
